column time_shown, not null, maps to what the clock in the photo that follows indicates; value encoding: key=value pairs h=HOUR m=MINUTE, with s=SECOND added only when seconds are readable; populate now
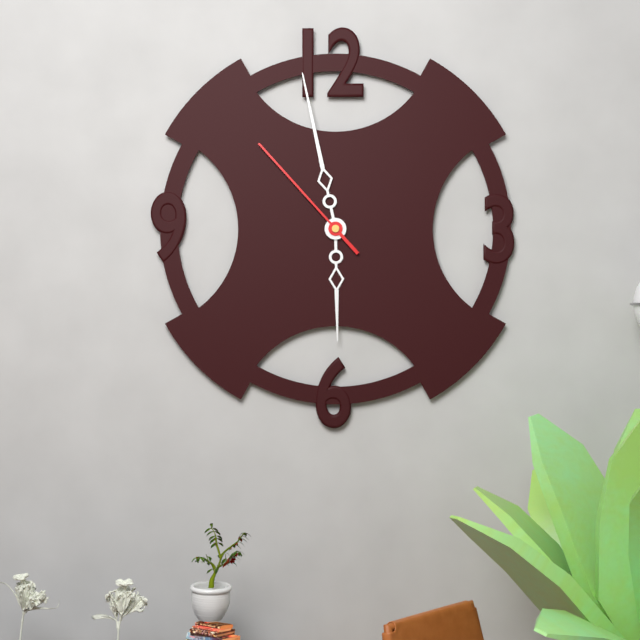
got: h=5 m=58 s=53
